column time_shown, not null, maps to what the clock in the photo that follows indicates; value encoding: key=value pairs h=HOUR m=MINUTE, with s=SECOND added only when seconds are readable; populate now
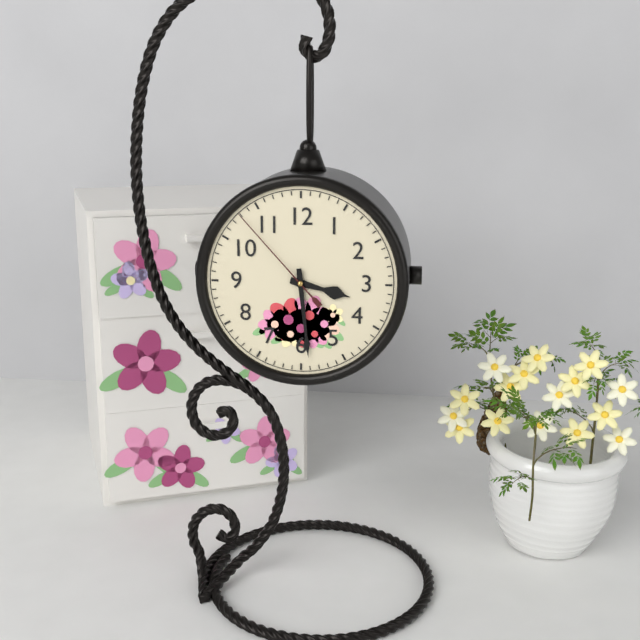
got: h=3 m=29 s=53
